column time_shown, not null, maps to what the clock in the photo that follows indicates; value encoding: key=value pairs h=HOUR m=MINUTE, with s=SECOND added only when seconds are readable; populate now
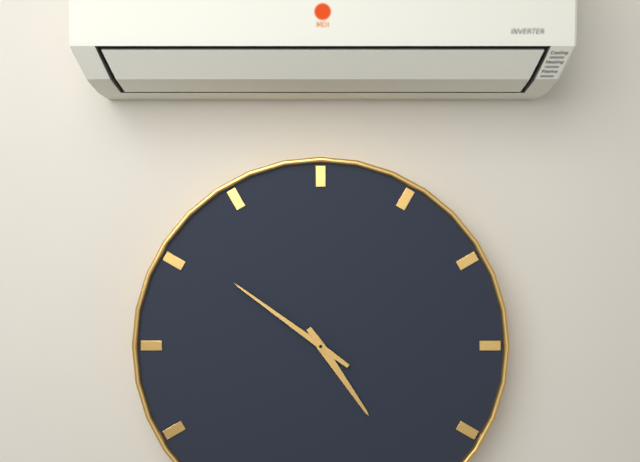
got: h=4 m=51
